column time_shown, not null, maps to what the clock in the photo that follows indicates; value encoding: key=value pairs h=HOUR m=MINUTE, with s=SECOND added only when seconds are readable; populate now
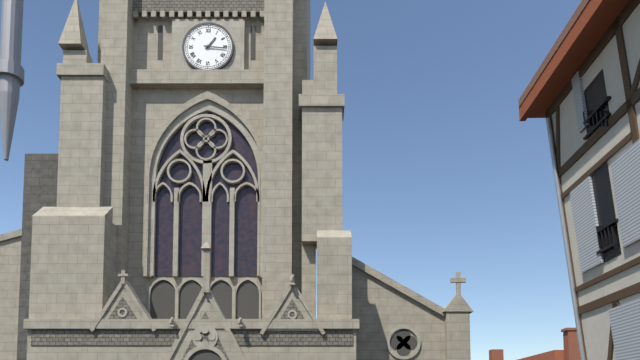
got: h=1 m=16
